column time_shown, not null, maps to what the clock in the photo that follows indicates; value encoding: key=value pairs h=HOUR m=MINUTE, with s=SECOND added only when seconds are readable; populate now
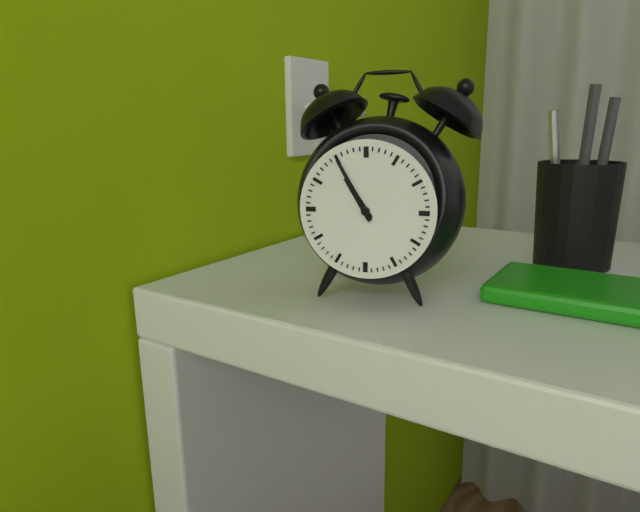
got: h=10 m=55
